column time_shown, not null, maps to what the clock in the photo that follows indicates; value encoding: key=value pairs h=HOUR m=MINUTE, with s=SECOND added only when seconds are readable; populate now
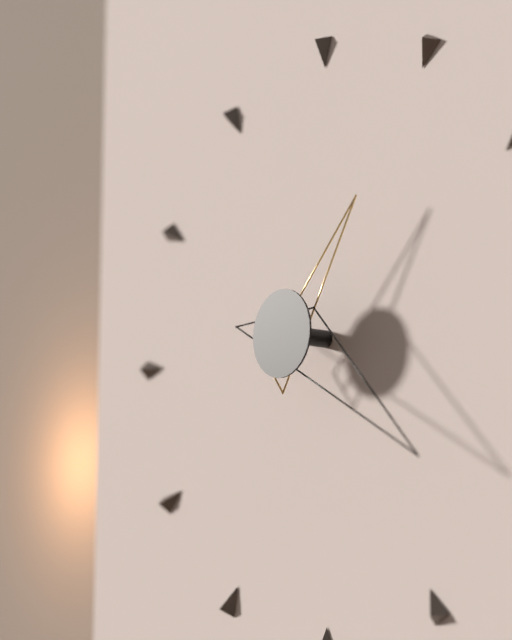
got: h=1 m=21
